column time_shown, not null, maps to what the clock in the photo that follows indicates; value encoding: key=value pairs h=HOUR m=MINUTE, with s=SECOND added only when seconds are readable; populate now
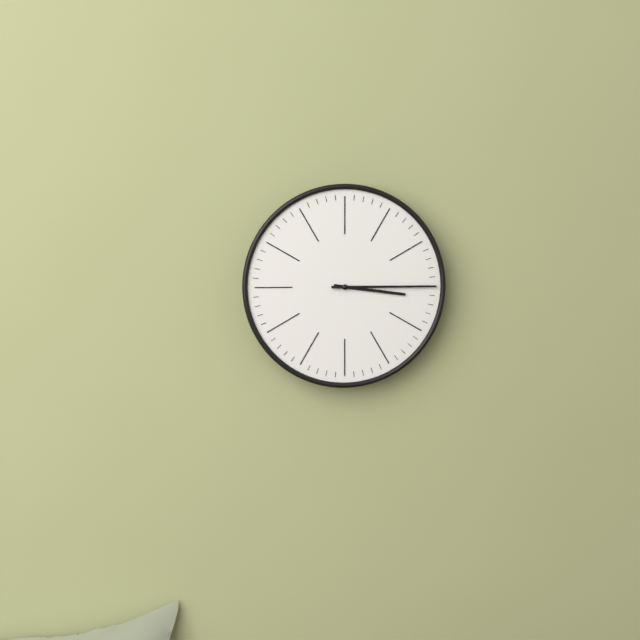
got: h=3 m=15
